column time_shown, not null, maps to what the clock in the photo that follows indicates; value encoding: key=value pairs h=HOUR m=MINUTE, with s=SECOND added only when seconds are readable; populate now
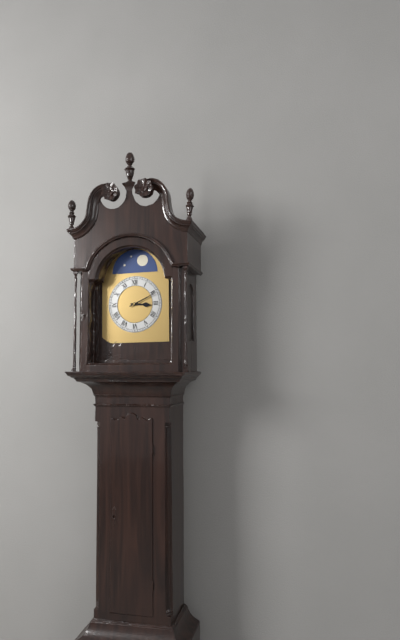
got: h=3 m=11
